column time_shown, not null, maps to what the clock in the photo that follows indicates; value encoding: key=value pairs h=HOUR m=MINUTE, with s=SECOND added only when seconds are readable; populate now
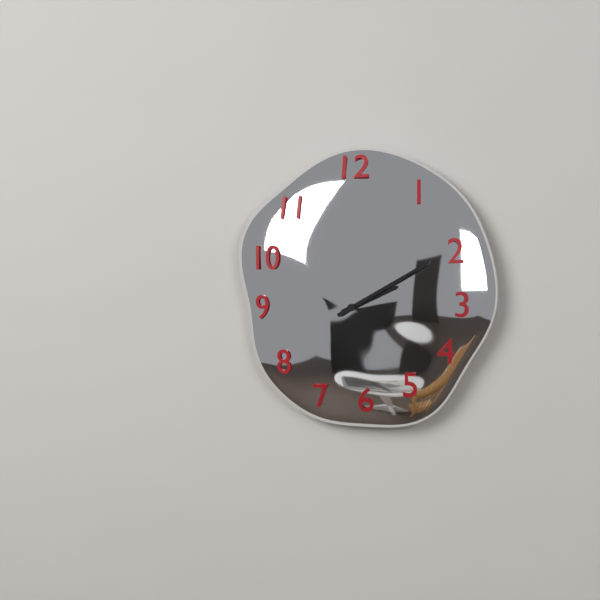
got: h=2 m=10
